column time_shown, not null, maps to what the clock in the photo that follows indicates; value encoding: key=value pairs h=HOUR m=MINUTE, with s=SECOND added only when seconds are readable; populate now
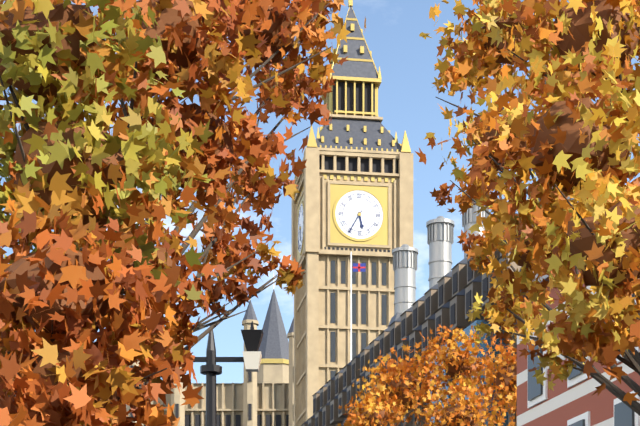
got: h=5 m=35
